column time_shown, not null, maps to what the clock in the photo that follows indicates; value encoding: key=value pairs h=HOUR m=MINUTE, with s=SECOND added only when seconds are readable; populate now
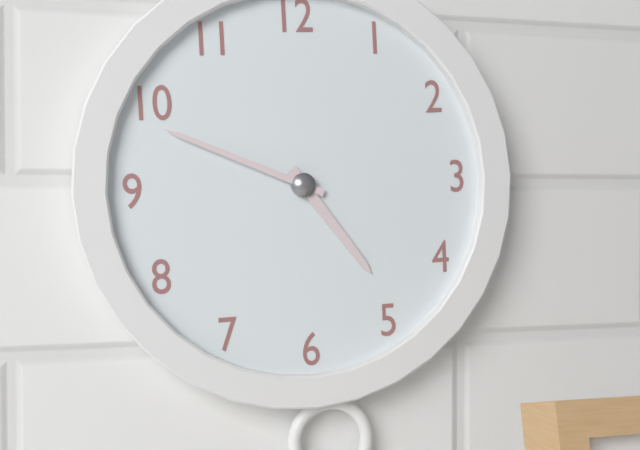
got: h=4 m=49
